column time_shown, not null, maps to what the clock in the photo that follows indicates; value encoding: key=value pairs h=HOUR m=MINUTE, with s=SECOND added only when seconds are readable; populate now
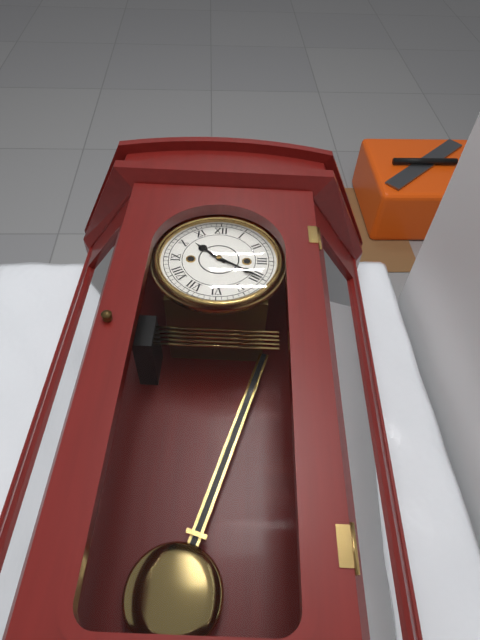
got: h=10 m=20
